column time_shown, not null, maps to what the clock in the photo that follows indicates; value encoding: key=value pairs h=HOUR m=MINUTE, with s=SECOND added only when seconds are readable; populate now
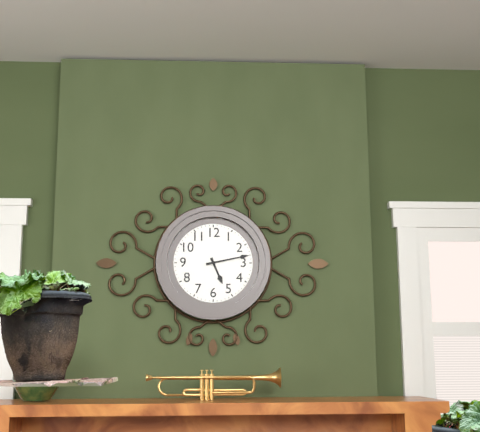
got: h=5 m=13
